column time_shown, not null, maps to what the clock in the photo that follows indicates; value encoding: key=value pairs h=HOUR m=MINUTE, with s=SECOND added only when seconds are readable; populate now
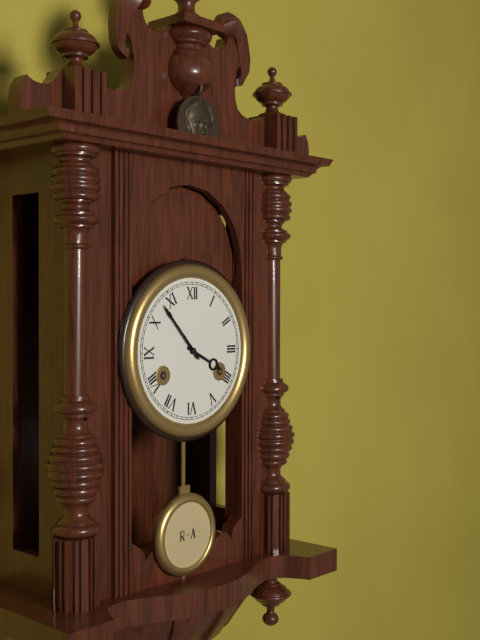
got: h=3 m=53
